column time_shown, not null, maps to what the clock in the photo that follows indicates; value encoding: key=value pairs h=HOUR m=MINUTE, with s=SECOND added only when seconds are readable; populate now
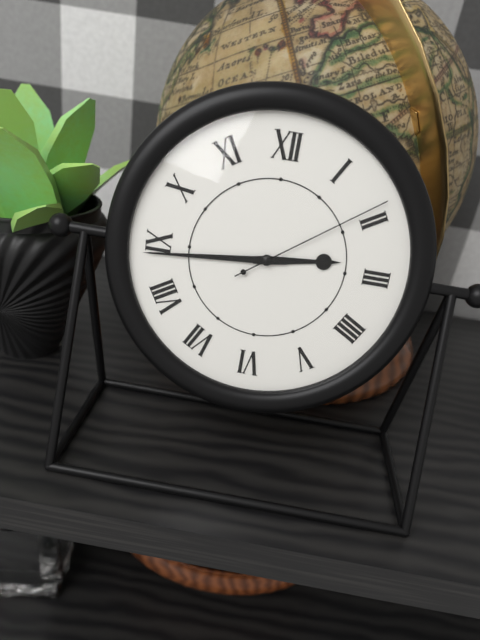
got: h=2 m=44 s=9
